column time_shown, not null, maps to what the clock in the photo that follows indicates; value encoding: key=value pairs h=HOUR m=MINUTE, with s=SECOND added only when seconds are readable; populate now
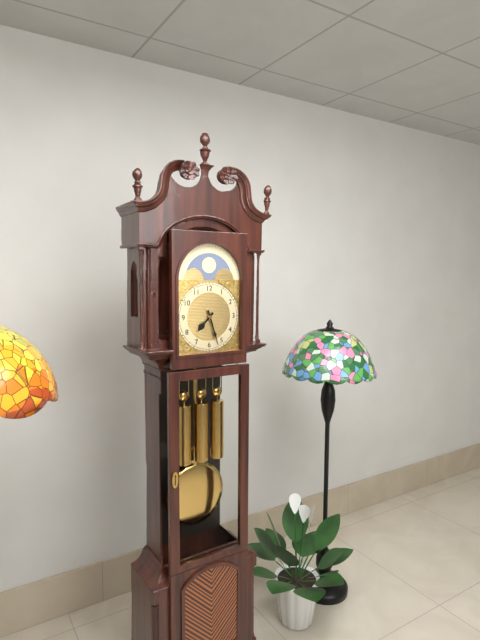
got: h=7 m=27
